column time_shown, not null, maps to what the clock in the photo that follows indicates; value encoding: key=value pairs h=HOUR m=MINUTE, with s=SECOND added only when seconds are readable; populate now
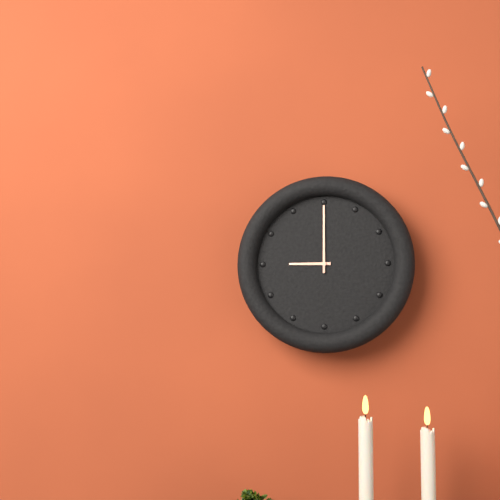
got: h=9 m=0
